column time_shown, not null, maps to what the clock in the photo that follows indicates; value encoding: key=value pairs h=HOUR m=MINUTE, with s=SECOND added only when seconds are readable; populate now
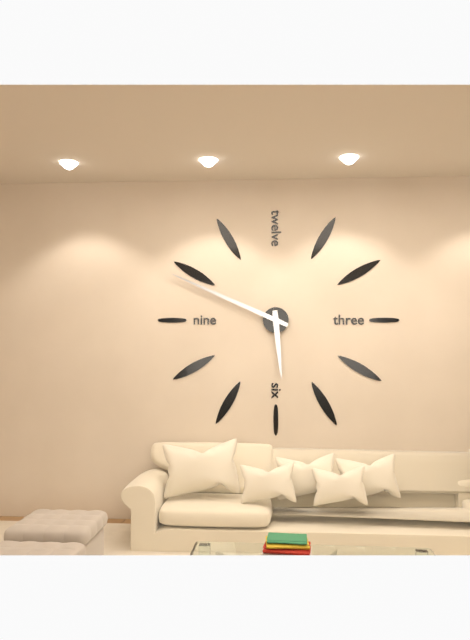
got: h=5 m=49
